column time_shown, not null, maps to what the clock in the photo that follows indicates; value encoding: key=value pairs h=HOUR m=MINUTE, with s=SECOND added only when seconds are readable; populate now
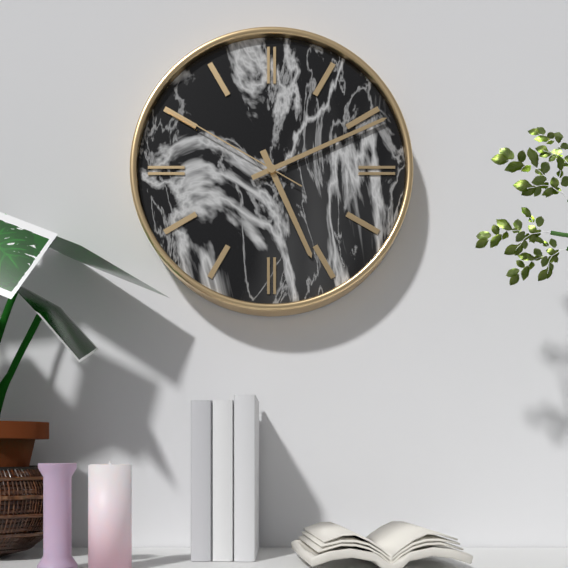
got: h=5 m=11 s=50
